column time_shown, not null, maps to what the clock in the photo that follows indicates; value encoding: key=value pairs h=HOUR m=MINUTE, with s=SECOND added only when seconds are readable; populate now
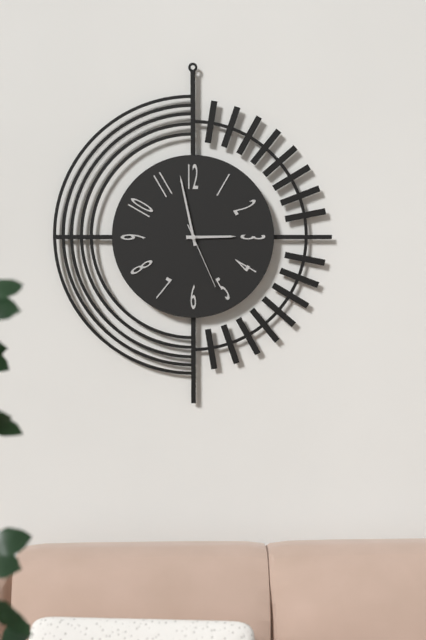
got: h=2 m=58 s=26
